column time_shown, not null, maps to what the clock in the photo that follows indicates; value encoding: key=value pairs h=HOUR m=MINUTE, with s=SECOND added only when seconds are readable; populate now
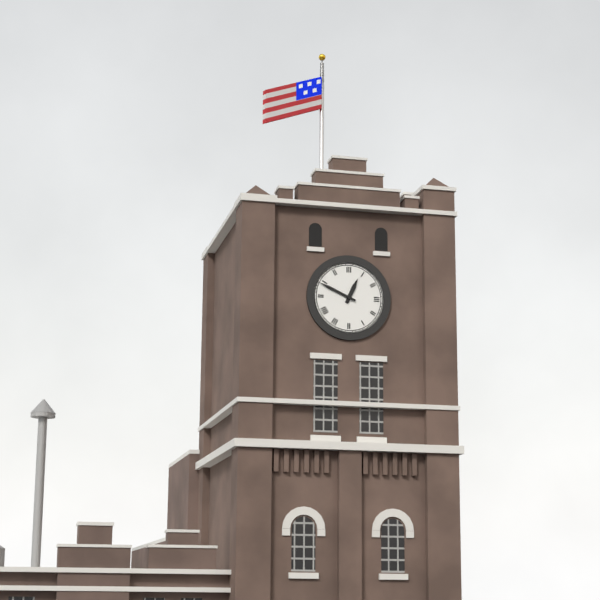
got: h=12 m=49
